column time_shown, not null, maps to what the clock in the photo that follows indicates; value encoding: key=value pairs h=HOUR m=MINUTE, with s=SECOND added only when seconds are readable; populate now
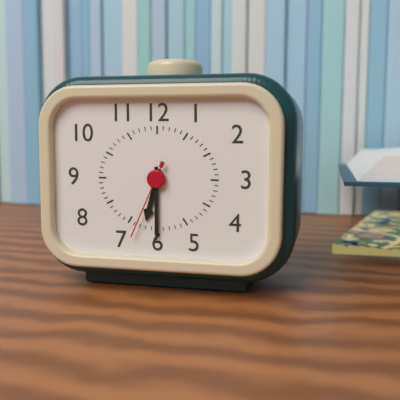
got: h=6 m=30 s=34
